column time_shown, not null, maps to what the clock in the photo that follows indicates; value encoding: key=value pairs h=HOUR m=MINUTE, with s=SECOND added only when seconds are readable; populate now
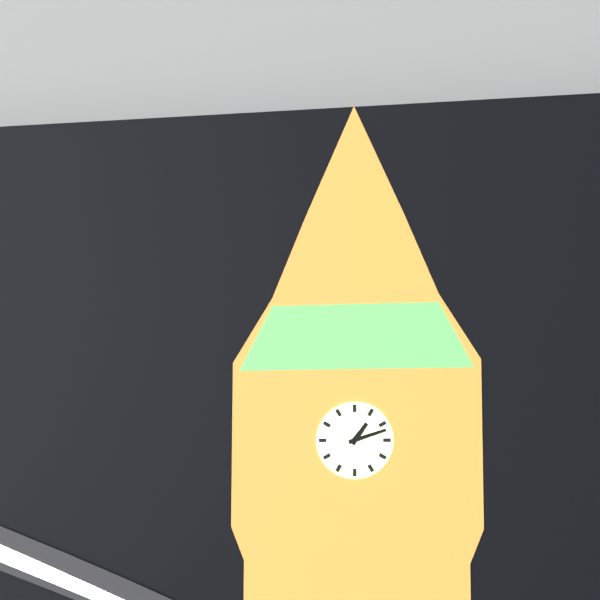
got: h=1 m=12
